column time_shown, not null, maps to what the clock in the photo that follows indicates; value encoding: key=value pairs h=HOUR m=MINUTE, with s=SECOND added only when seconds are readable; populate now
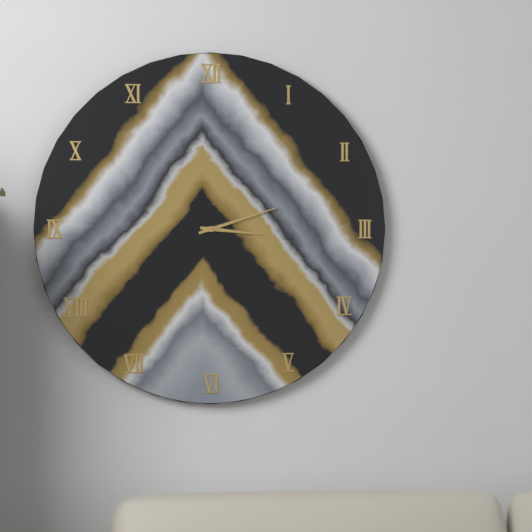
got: h=3 m=12
